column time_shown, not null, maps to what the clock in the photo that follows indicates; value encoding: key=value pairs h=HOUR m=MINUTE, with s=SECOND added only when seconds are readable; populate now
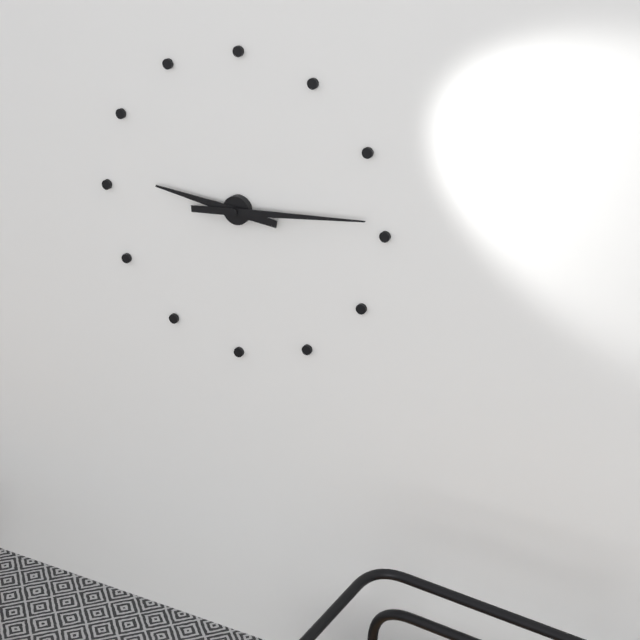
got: h=9 m=14
